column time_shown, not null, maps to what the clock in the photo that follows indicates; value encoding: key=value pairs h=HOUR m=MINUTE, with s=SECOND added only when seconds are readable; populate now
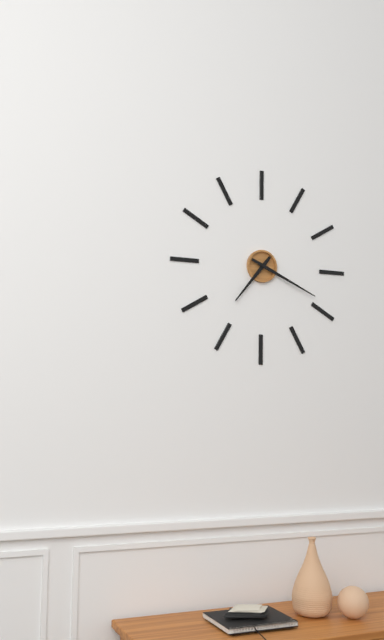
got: h=7 m=19
